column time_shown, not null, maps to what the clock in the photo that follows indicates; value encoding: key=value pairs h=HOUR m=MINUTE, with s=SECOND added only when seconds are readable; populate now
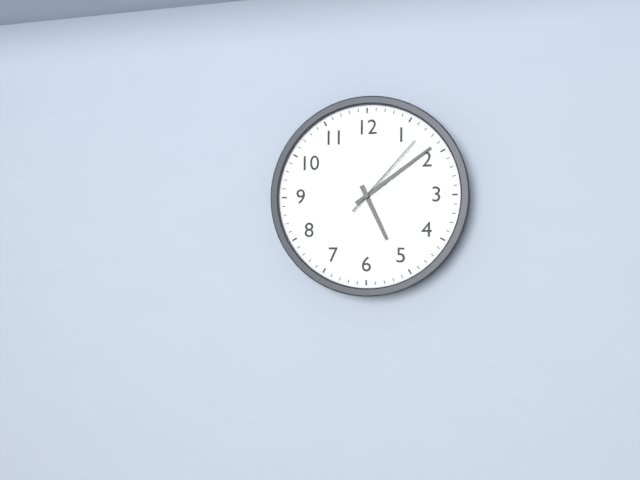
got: h=5 m=9 s=7
